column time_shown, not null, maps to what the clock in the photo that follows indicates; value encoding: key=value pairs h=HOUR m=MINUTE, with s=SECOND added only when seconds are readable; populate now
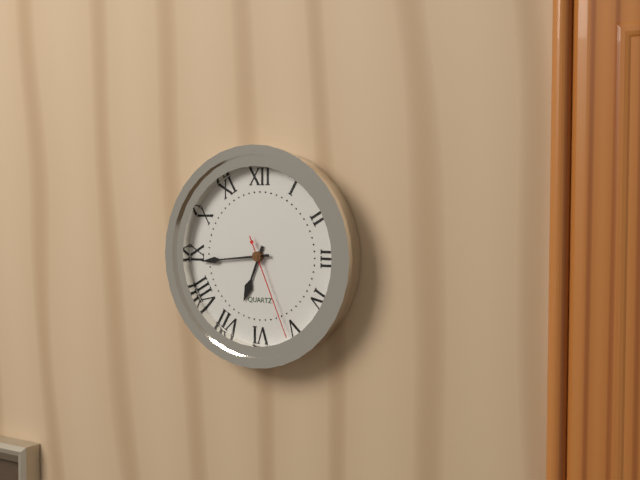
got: h=6 m=44 s=26
